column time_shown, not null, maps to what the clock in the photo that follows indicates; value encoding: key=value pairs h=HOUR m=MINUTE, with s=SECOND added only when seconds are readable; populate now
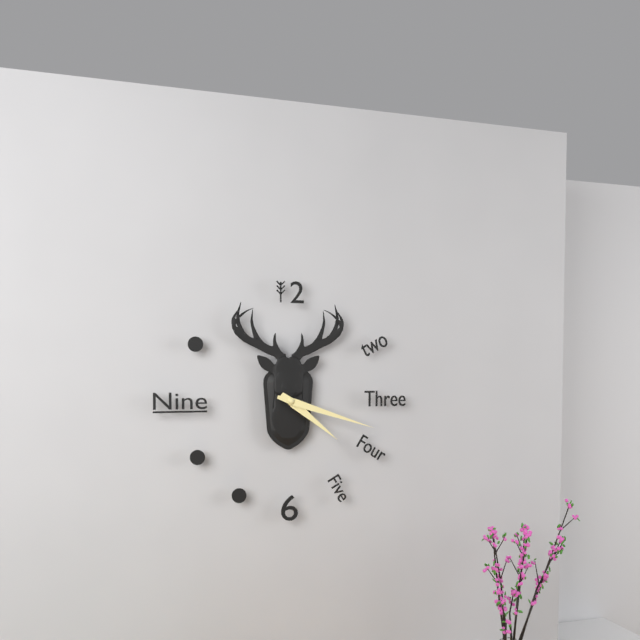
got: h=4 m=18
